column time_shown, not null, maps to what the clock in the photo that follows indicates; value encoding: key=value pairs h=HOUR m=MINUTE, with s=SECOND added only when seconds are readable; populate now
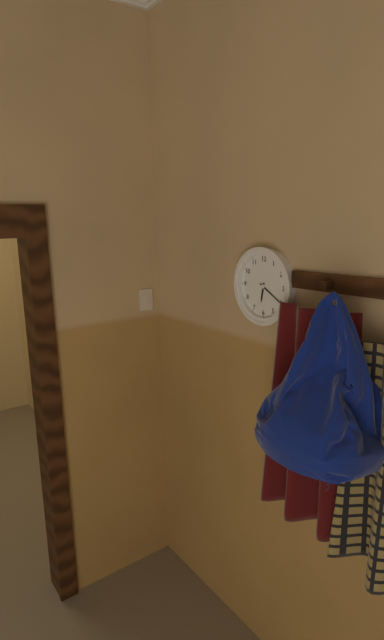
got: h=6 m=20
